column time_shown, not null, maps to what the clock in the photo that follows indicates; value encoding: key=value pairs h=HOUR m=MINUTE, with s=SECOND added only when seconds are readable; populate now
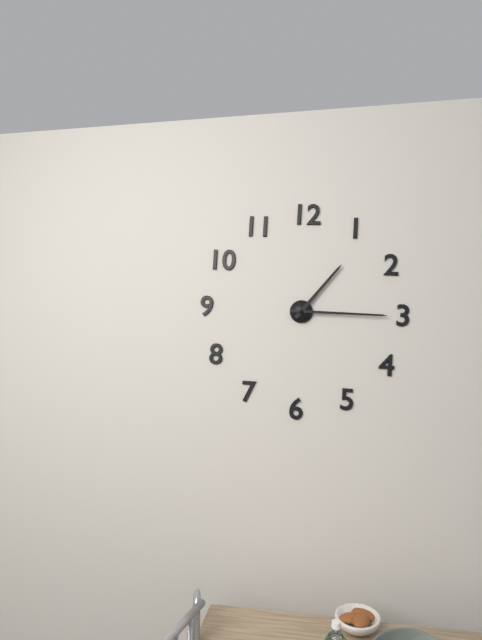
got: h=1 m=15
